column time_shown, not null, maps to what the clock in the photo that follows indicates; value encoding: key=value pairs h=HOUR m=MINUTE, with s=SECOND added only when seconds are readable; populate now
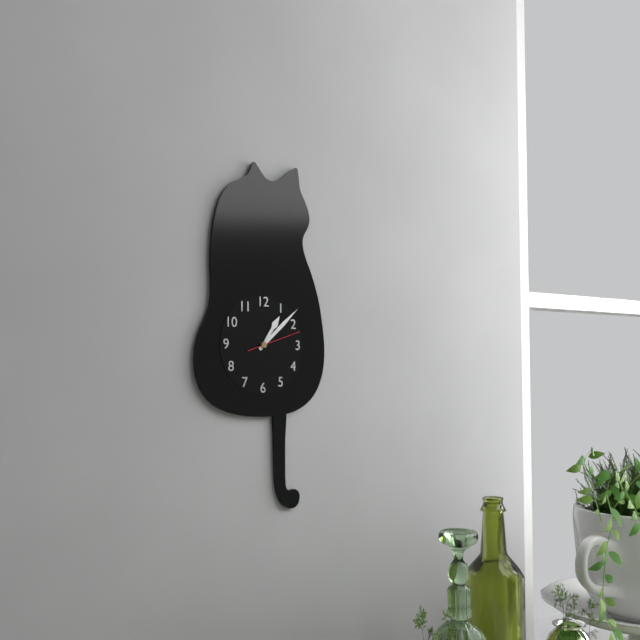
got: h=1 m=8
